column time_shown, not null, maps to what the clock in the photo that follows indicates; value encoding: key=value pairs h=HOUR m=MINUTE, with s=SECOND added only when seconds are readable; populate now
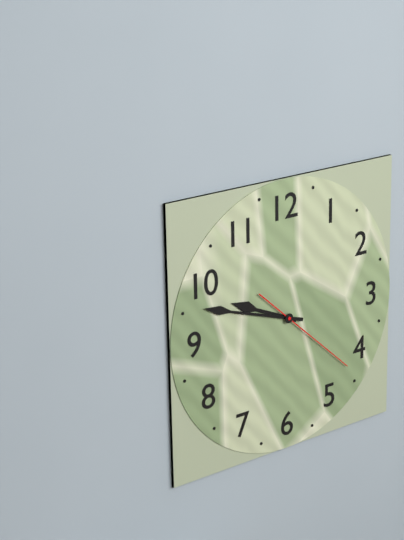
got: h=9 m=48 s=22
